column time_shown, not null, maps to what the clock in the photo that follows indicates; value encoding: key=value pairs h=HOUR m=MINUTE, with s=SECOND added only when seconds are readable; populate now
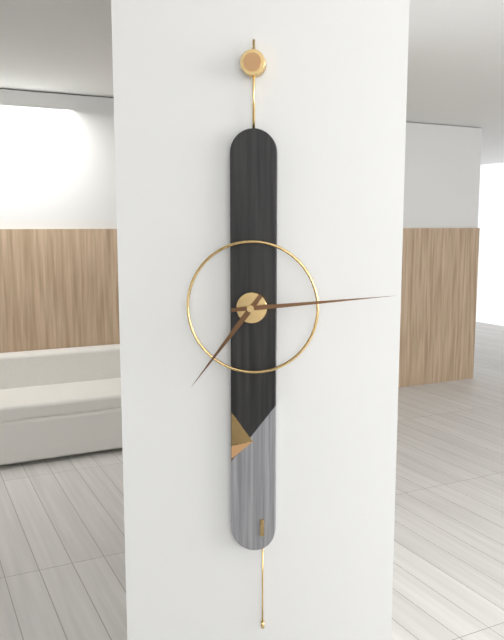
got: h=7 m=14
